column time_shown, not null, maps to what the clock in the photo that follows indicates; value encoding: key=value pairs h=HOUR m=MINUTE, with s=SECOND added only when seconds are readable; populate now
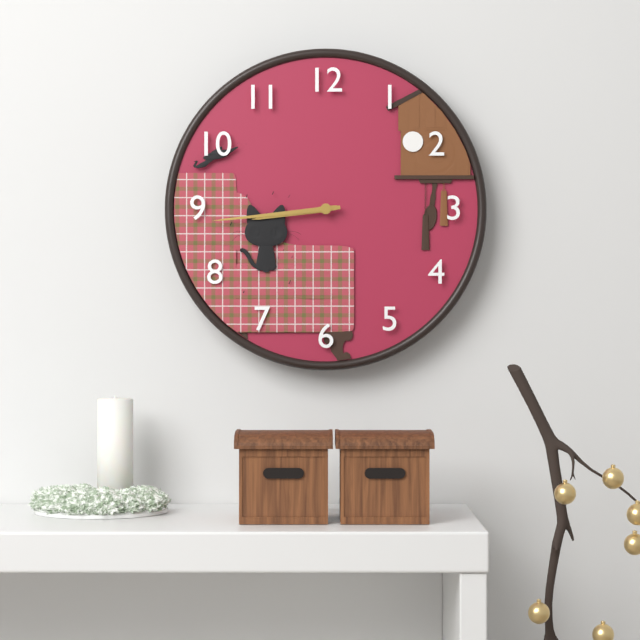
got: h=8 m=44
